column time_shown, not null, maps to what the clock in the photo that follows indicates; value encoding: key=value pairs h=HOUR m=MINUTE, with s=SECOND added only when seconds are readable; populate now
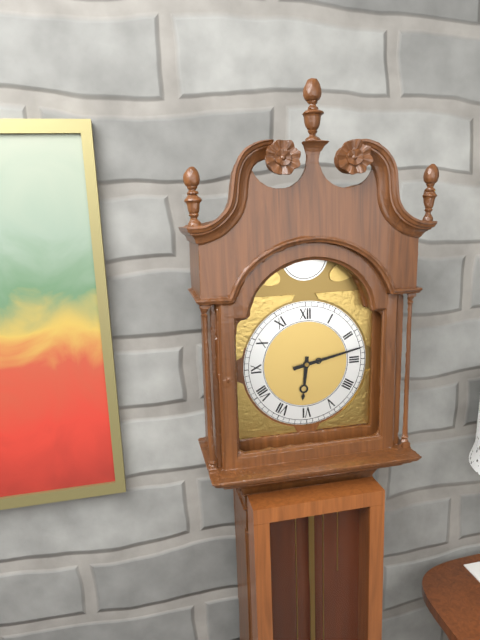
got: h=6 m=13
